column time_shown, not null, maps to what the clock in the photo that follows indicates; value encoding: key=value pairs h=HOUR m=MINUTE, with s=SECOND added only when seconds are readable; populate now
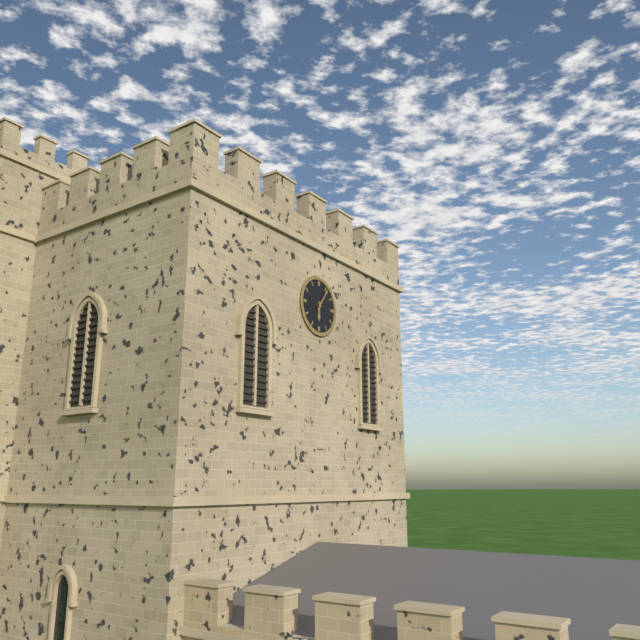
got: h=6 m=6
